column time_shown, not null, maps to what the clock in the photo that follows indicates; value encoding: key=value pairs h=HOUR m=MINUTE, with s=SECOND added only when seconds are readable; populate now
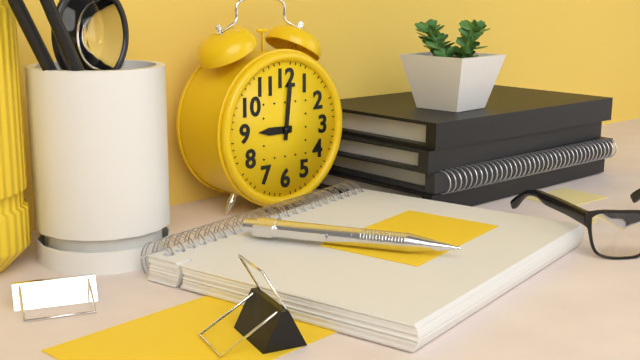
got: h=9 m=1
